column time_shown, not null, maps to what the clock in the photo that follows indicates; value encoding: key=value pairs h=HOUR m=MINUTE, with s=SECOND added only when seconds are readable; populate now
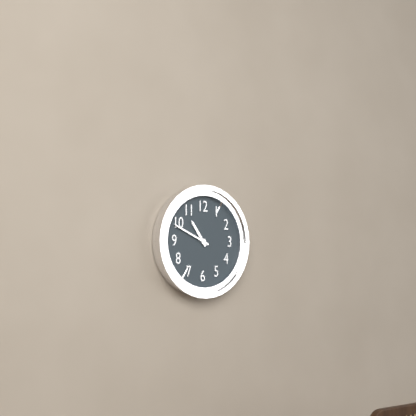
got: h=10 m=49
